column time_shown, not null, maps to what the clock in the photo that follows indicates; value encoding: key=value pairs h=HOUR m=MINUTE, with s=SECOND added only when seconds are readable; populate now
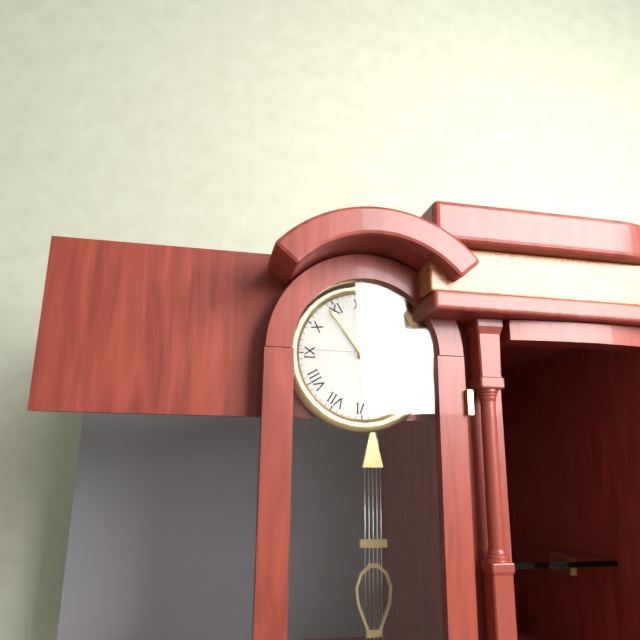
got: h=4 m=54
